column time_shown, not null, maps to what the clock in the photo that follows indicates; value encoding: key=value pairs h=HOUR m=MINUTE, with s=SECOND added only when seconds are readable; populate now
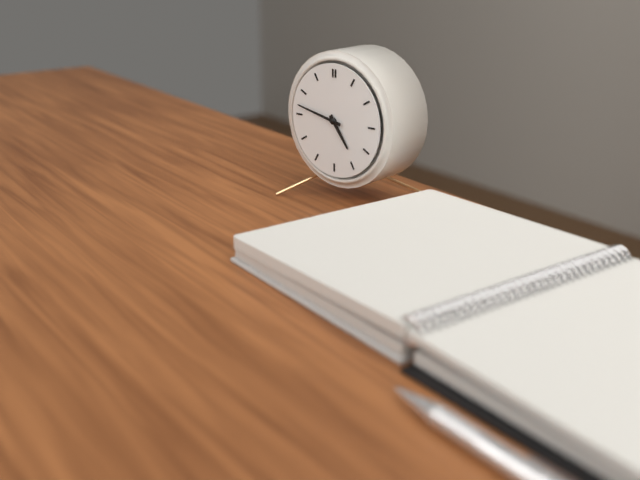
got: h=4 m=47
